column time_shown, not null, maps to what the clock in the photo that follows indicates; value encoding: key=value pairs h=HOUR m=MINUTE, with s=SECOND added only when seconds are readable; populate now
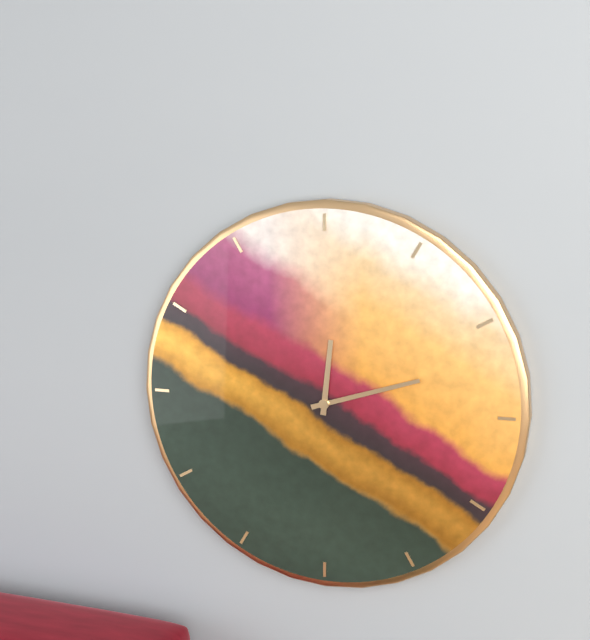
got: h=12 m=12
